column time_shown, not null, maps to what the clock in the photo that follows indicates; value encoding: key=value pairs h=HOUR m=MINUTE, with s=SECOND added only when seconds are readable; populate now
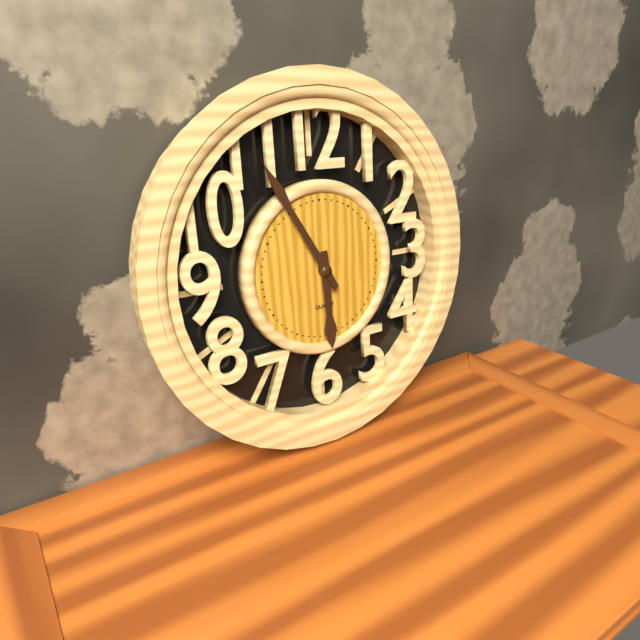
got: h=5 m=55
